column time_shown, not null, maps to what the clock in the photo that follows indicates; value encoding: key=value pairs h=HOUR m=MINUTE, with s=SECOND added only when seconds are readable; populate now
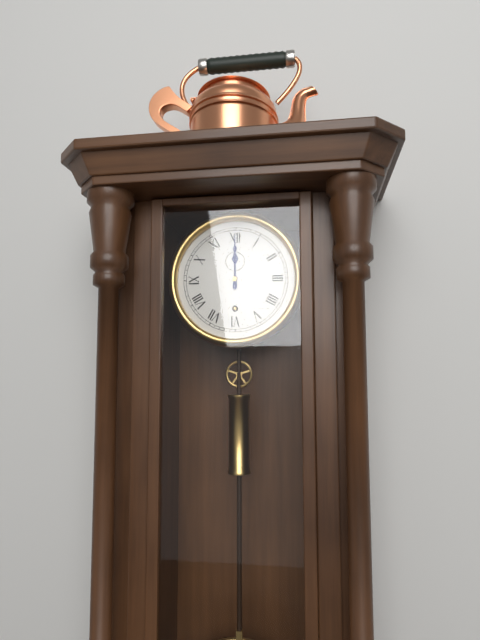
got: h=12 m=0
